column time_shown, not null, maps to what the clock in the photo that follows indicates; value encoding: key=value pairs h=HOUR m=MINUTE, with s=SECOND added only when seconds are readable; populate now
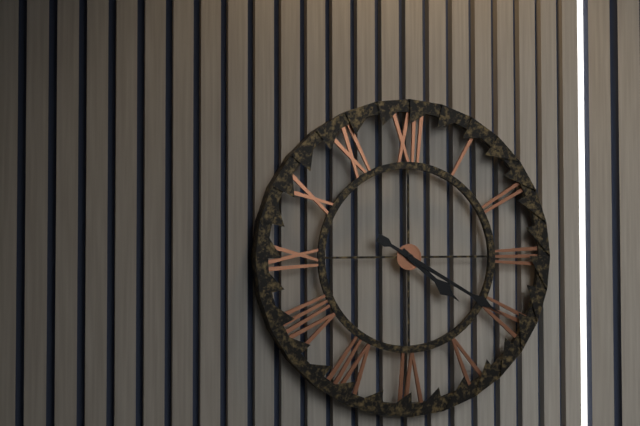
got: h=4 m=20
